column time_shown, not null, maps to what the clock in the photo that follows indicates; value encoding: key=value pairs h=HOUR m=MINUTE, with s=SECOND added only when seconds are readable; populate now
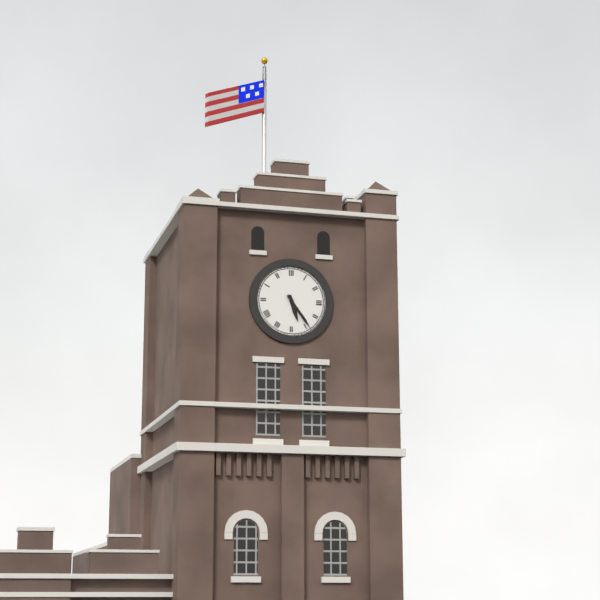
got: h=5 m=24
